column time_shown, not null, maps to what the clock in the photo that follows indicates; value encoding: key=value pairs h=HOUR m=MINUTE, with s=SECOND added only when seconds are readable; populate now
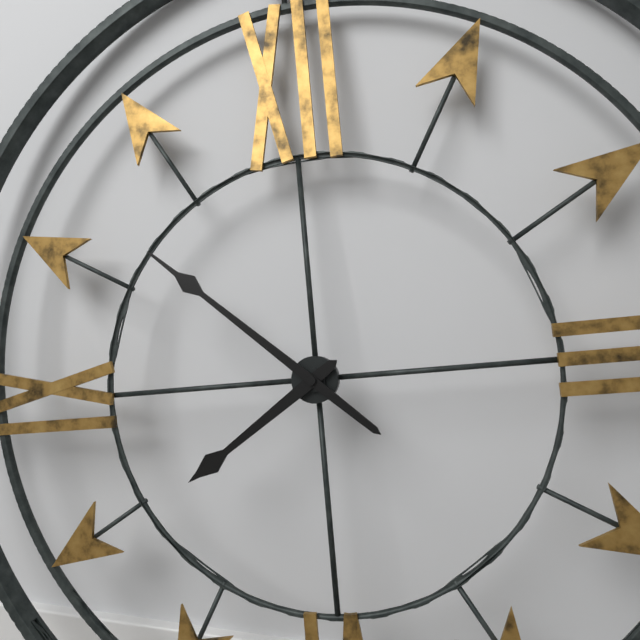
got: h=7 m=52
